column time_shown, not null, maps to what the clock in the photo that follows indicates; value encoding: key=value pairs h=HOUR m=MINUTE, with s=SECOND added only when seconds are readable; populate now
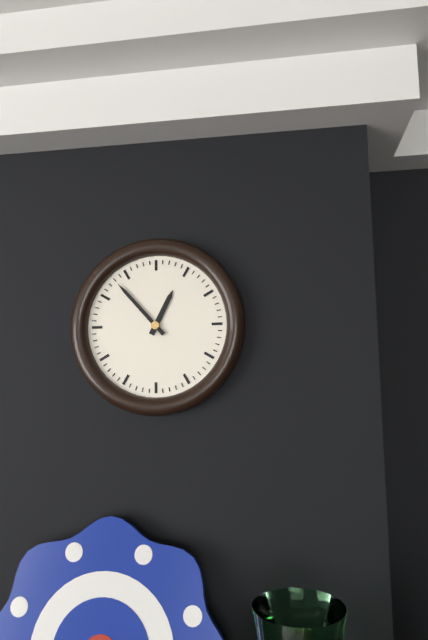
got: h=12 m=53
